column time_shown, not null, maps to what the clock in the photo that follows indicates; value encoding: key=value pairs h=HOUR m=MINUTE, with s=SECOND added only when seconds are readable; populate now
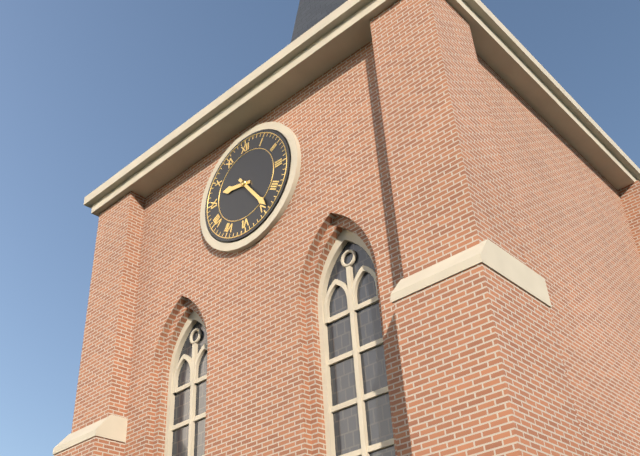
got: h=9 m=24
